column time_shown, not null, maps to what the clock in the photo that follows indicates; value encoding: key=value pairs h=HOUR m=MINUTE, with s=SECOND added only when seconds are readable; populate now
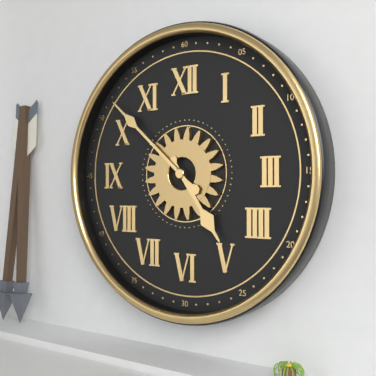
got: h=4 m=52
